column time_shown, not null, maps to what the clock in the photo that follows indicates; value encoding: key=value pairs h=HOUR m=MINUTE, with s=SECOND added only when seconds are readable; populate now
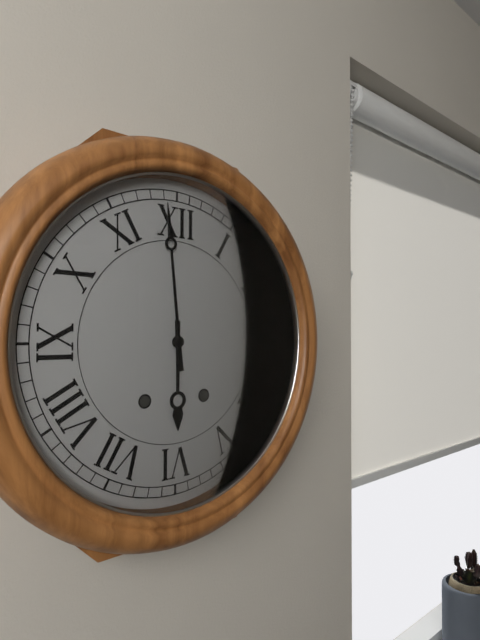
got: h=5 m=59
